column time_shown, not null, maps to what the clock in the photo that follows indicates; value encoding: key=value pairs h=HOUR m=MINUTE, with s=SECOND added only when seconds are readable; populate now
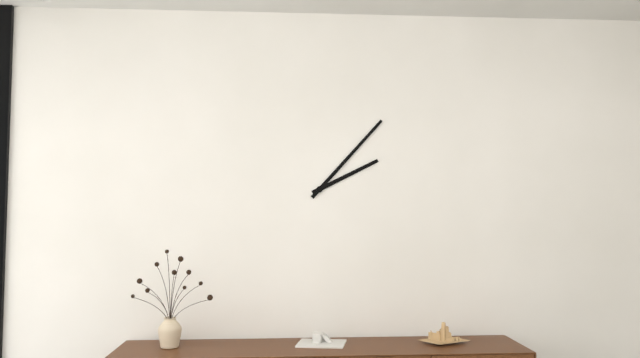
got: h=2 m=7
